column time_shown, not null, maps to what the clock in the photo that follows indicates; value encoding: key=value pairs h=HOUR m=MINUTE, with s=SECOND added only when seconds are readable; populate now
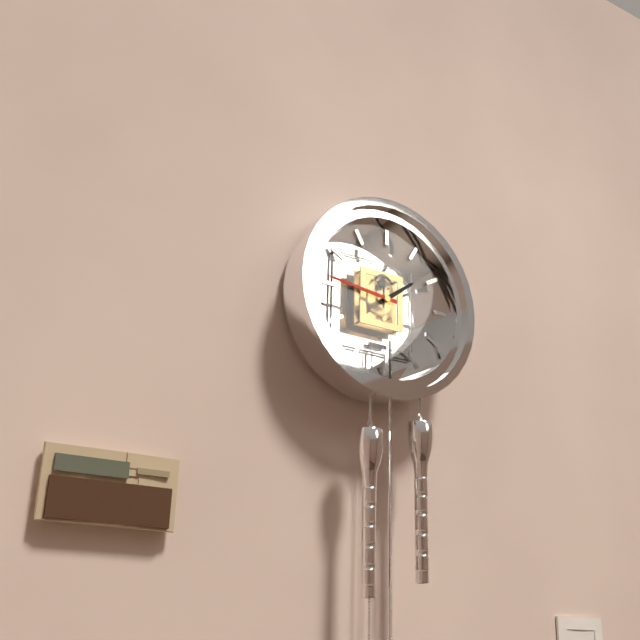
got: h=1 m=46
